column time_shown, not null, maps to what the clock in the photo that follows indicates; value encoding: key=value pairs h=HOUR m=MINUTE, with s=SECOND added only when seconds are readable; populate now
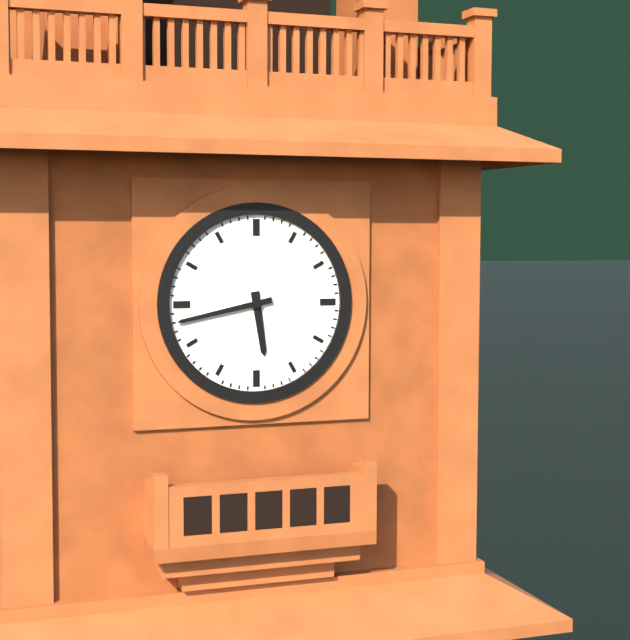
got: h=5 m=43
